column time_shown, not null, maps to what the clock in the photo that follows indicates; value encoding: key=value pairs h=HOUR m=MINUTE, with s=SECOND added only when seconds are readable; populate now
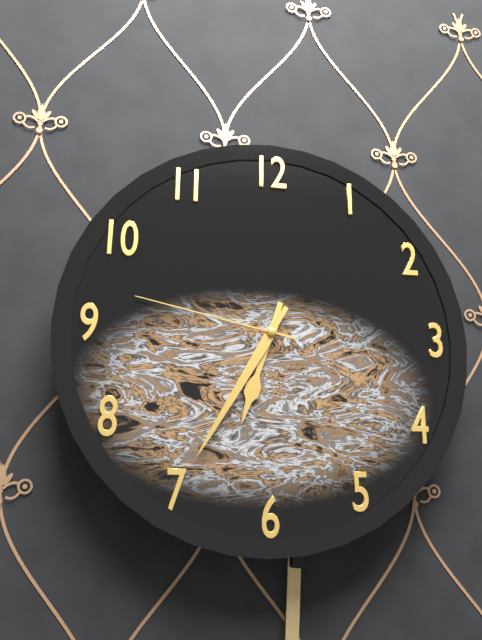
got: h=6 m=35 s=47
